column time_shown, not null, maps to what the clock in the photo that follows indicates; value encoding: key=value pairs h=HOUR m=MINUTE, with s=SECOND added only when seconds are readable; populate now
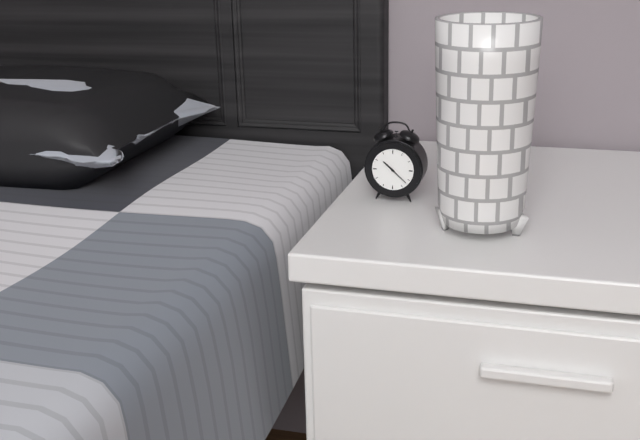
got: h=10 m=22
